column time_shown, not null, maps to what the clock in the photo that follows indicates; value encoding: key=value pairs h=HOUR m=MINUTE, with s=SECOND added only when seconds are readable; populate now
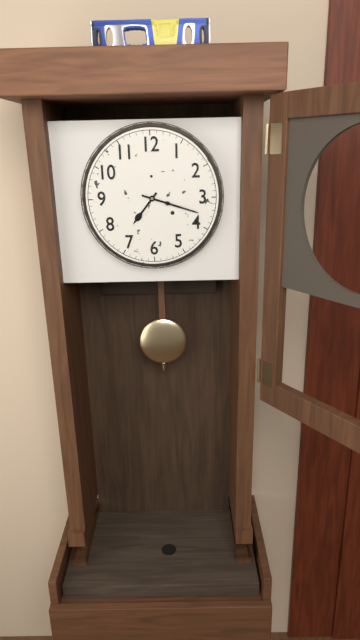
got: h=7 m=18
